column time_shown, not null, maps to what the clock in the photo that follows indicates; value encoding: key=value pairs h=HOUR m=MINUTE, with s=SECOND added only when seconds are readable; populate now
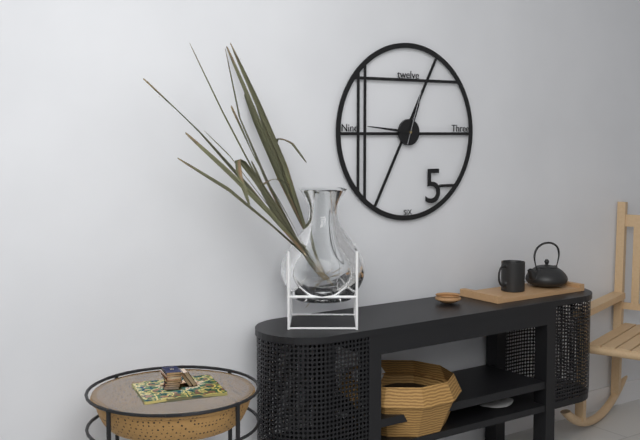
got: h=12 m=46 s=3
